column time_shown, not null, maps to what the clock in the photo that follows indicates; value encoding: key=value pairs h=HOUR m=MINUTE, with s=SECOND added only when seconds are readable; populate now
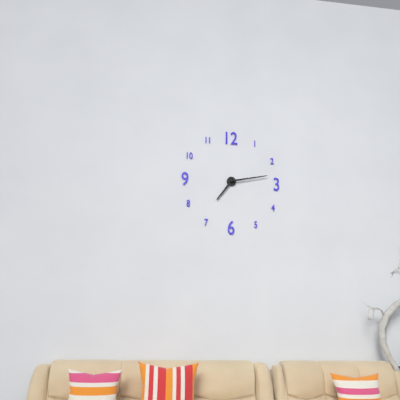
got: h=7 m=13
